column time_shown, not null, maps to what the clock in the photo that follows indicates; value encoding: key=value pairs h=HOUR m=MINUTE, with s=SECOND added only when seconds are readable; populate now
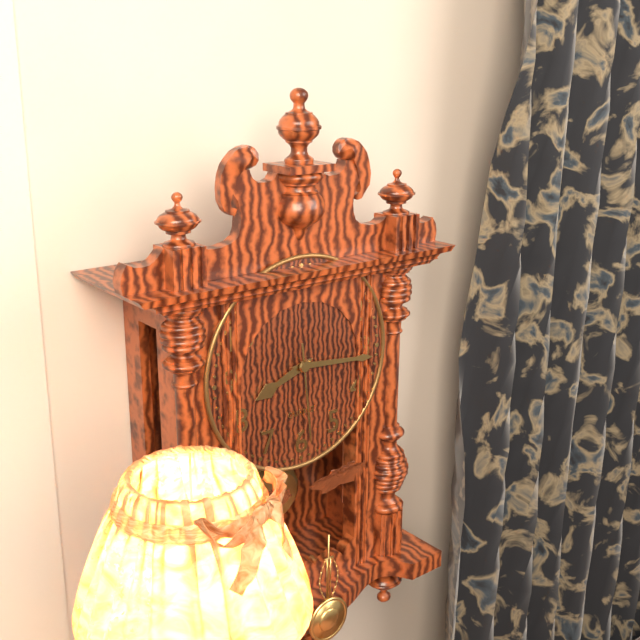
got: h=8 m=16 s=29
